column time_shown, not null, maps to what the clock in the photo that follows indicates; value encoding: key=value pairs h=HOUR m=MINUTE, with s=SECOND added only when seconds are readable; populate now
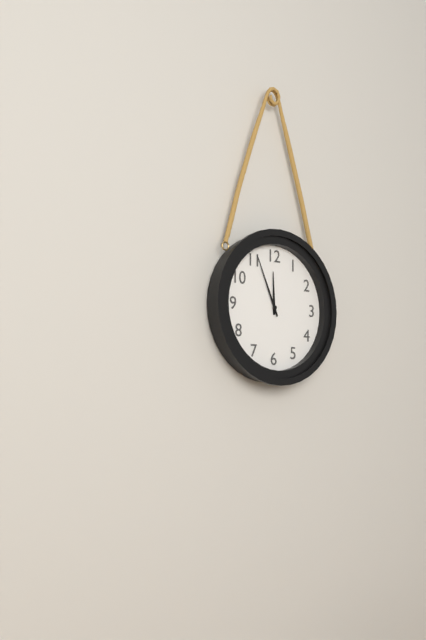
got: h=11 m=56
